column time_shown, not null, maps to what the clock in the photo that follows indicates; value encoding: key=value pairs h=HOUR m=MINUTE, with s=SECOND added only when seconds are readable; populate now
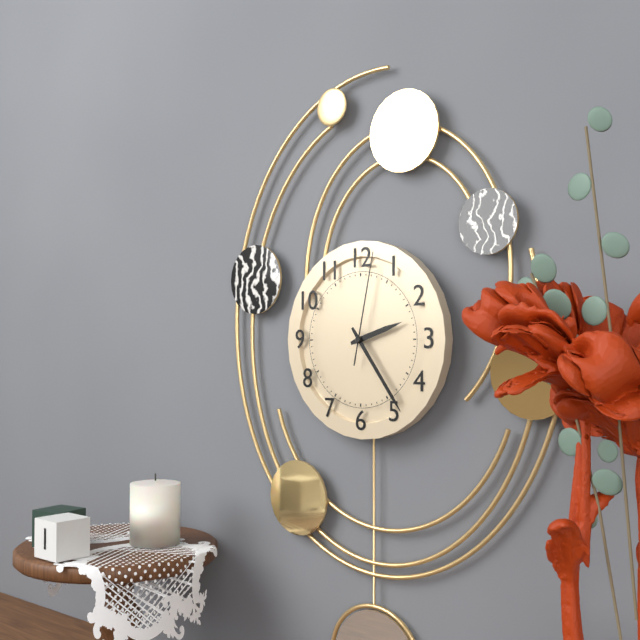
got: h=2 m=24 s=2
